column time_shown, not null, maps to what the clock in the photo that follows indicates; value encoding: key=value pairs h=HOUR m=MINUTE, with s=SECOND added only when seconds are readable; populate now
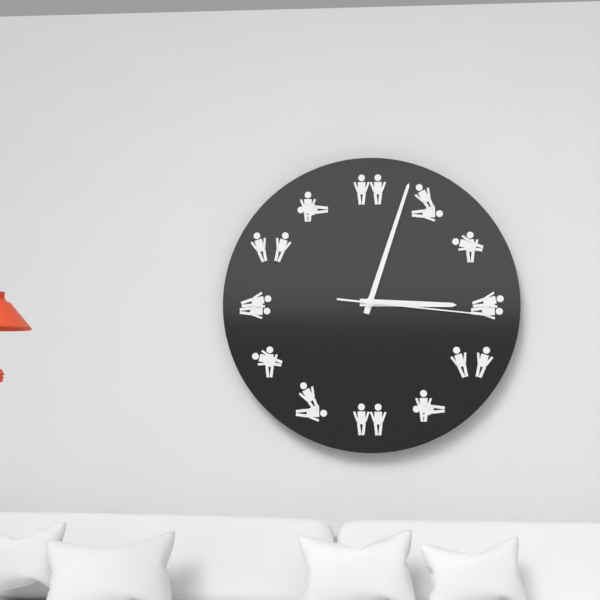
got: h=3 m=3 s=16
